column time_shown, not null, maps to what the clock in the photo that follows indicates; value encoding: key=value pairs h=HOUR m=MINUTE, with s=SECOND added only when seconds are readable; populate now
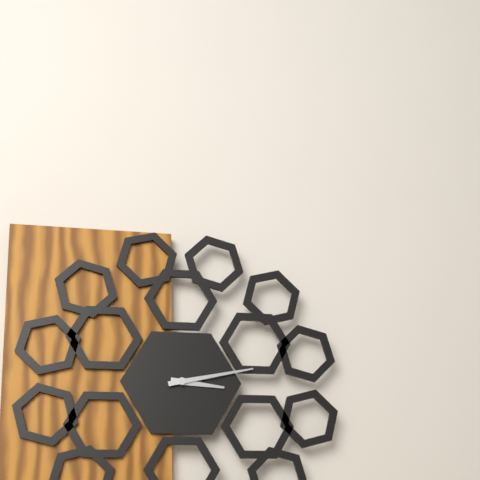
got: h=3 m=13
